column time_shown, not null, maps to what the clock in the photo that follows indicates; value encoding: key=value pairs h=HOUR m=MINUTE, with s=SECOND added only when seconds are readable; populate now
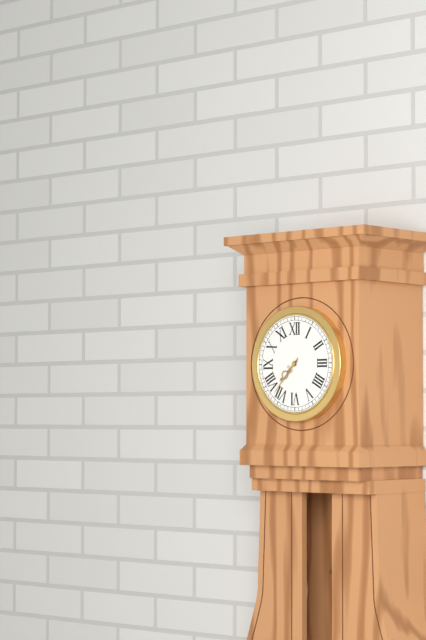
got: h=7 m=37
